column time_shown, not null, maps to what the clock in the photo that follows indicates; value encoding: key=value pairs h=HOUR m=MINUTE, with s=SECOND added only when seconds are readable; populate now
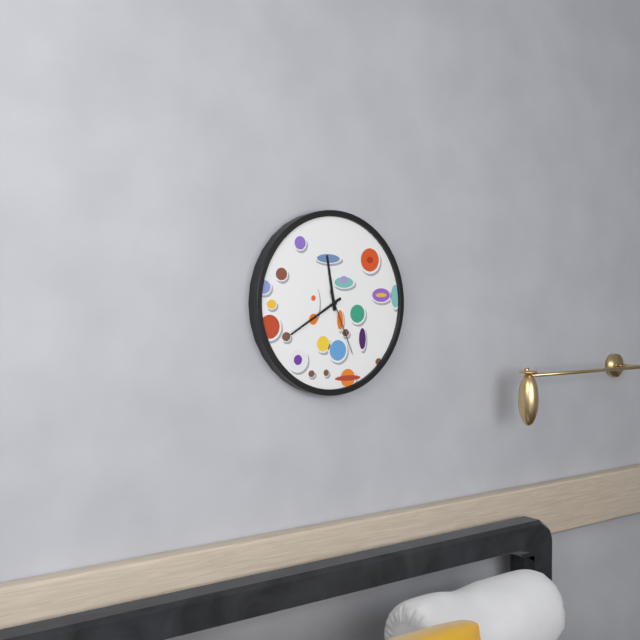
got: h=11 m=40 s=26
